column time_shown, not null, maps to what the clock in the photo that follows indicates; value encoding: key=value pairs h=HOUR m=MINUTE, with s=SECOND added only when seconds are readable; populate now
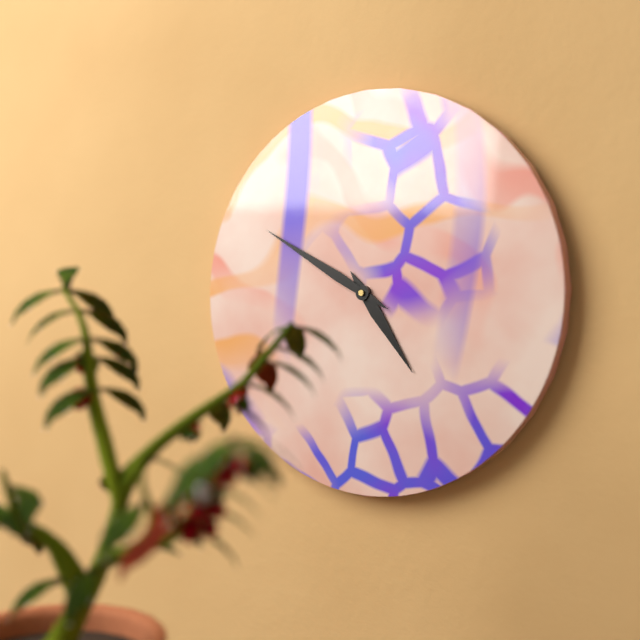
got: h=4 m=50
